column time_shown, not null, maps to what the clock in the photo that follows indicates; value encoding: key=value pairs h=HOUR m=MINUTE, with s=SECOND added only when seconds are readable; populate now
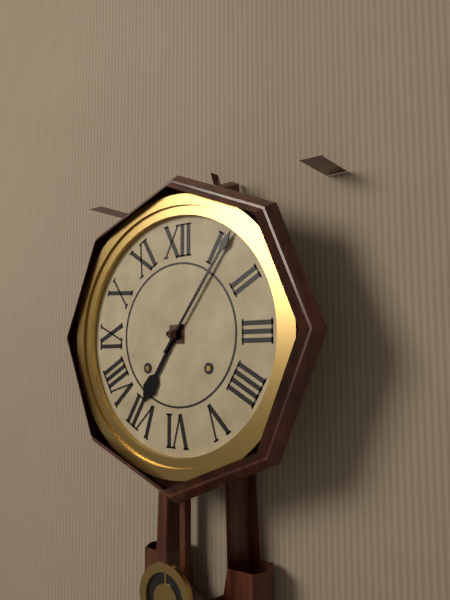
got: h=7 m=6
